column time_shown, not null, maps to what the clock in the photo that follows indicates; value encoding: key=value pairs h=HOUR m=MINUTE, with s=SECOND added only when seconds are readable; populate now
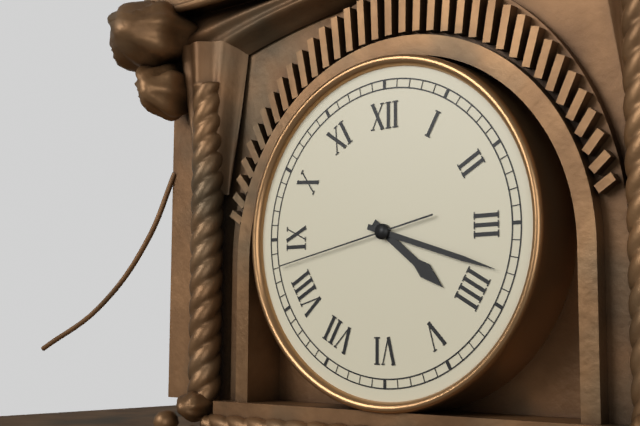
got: h=4 m=18 s=43
